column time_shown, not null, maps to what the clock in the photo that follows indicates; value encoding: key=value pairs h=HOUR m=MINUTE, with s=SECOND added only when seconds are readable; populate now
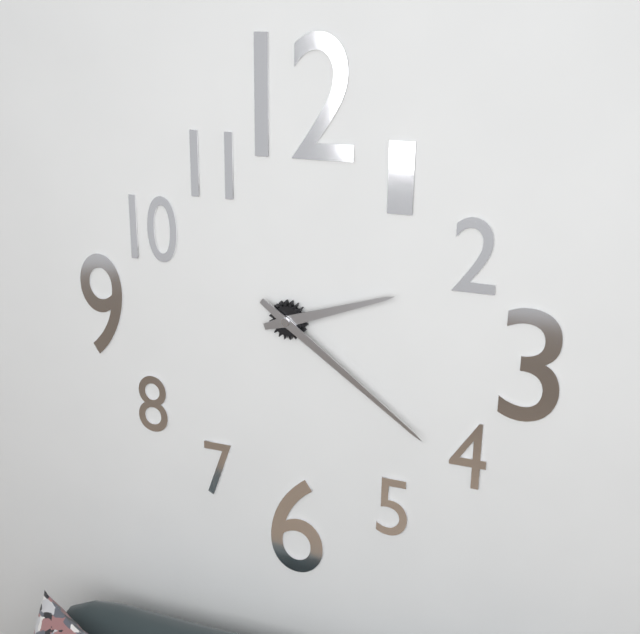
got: h=2 m=21
